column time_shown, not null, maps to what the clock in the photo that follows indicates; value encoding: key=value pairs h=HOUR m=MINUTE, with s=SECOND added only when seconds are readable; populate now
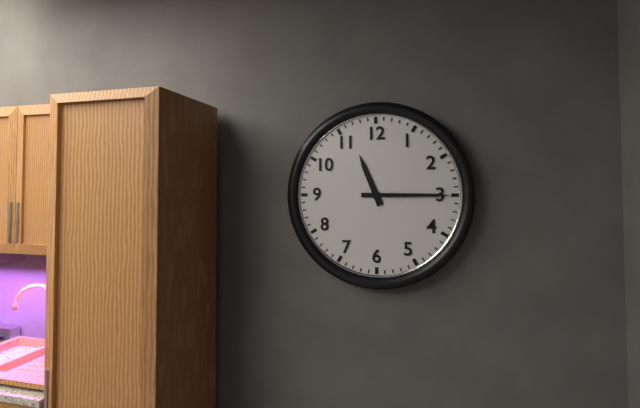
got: h=11 m=15
